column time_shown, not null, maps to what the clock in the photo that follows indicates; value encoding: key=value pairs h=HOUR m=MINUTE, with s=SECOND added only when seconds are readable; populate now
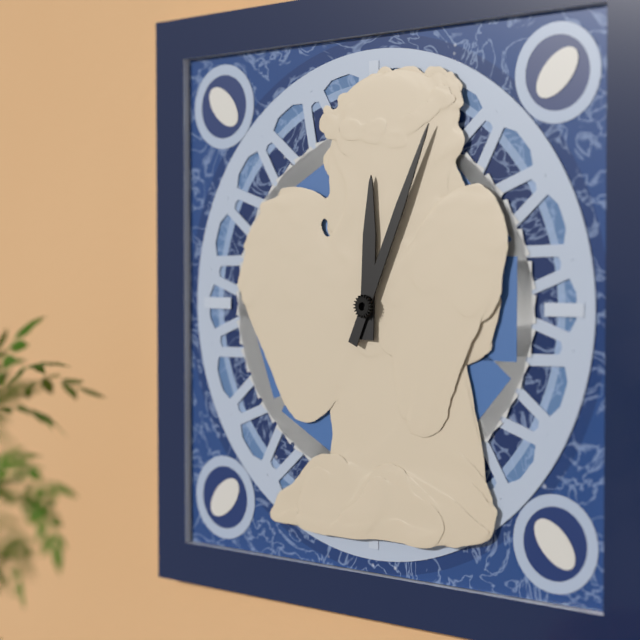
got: h=12 m=4
